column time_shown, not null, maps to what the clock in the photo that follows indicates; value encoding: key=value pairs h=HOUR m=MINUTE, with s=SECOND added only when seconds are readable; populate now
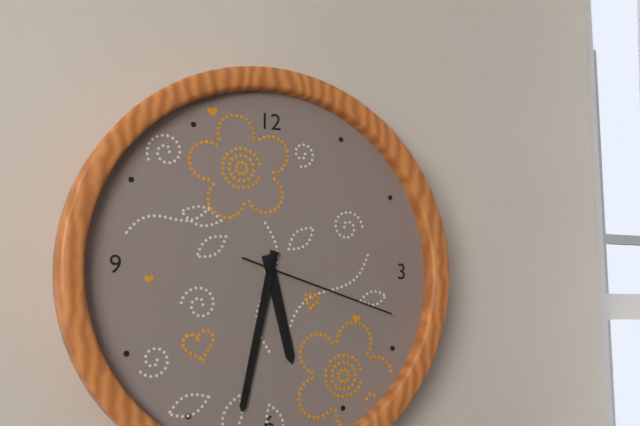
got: h=5 m=32 s=18
